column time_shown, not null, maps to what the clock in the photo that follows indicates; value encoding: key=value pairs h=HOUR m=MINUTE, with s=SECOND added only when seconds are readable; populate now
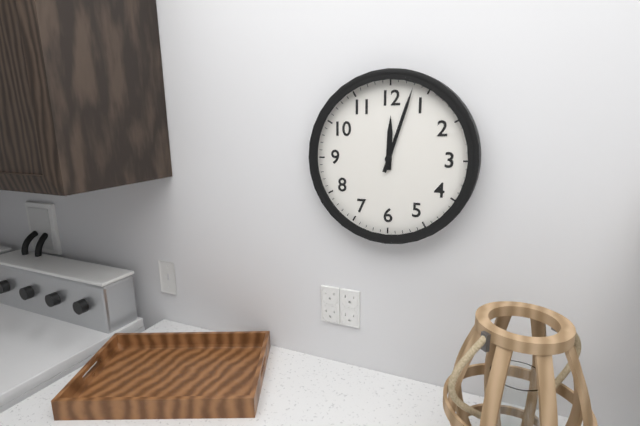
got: h=12 m=3
